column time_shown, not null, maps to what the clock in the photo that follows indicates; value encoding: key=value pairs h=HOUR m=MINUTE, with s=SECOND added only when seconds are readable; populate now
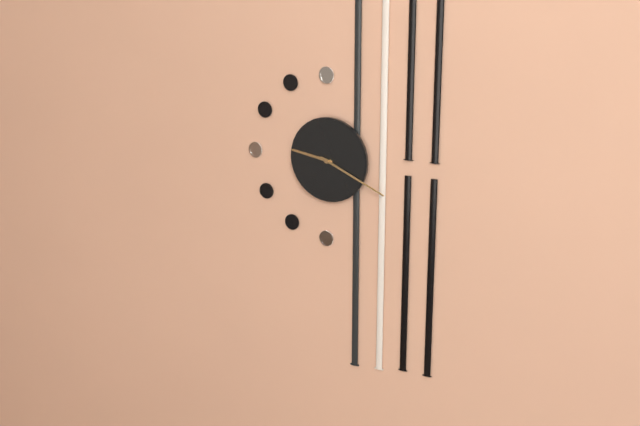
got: h=9 m=19
